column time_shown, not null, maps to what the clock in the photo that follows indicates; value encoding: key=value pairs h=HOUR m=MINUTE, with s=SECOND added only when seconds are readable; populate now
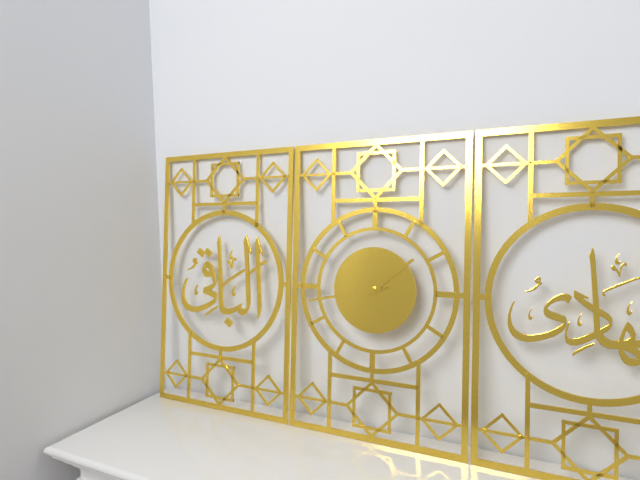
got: h=1 m=43 s=43
